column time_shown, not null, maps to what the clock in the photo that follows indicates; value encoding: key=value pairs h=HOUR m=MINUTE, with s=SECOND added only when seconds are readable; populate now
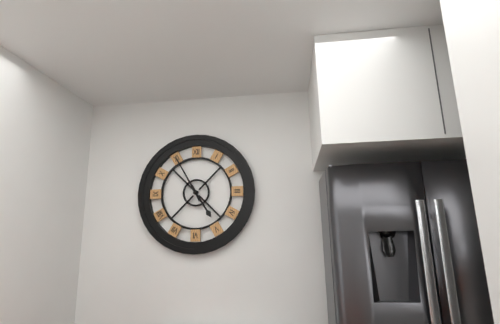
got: h=4 m=55
